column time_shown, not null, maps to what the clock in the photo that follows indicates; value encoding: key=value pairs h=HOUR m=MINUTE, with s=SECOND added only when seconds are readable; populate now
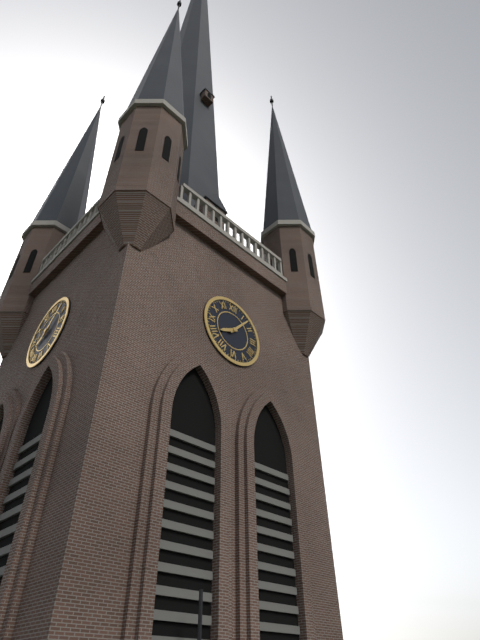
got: h=8 m=7
